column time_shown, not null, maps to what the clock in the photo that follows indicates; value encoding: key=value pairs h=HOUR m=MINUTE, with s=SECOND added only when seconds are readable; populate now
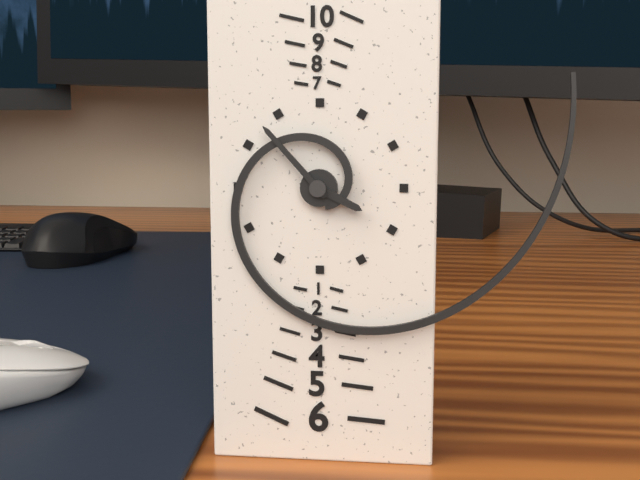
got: h=3 m=53
